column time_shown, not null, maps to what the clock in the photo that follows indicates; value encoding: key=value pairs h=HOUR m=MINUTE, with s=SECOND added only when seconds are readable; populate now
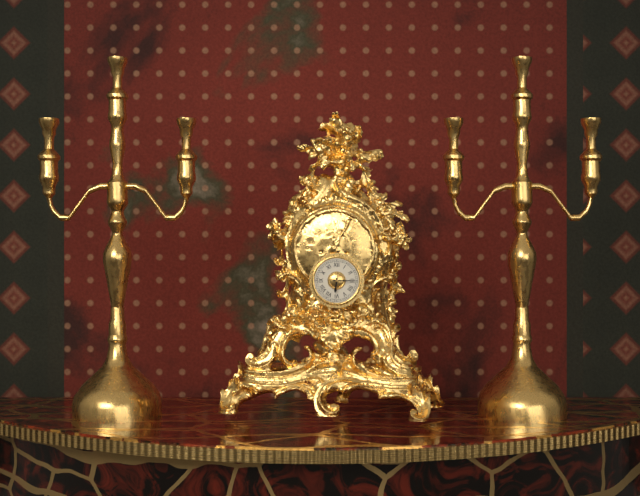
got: h=6 m=15
